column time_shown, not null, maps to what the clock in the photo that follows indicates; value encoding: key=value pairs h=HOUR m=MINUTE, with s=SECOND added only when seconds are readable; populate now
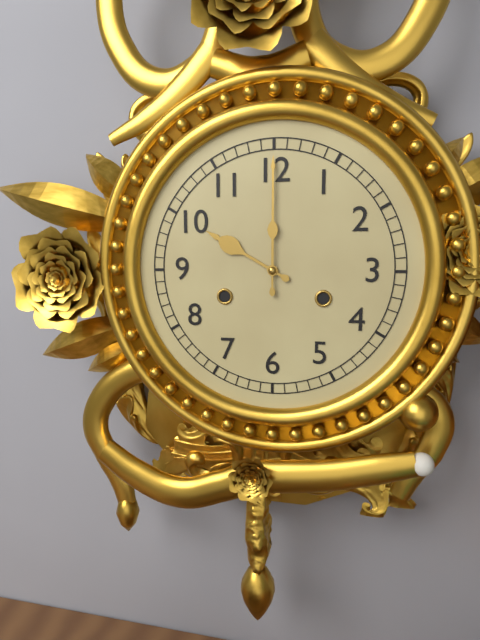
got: h=10 m=0
